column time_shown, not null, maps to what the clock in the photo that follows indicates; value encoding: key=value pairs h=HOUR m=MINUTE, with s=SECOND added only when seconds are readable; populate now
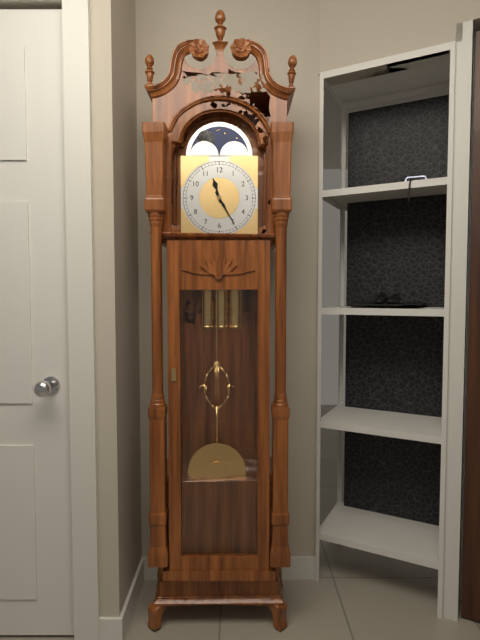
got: h=11 m=25
